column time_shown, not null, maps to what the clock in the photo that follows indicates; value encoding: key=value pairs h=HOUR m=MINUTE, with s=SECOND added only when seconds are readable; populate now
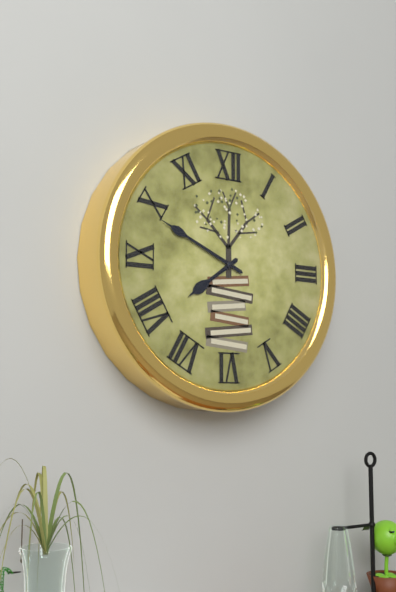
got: h=7 m=49
